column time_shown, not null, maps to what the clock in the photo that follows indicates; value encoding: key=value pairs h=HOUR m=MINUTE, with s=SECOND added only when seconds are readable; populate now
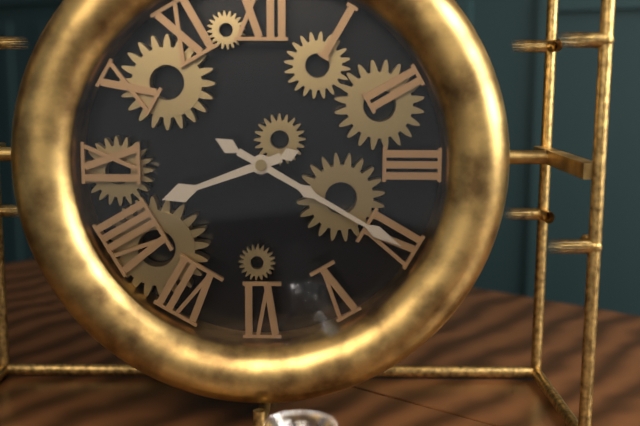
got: h=8 m=20
